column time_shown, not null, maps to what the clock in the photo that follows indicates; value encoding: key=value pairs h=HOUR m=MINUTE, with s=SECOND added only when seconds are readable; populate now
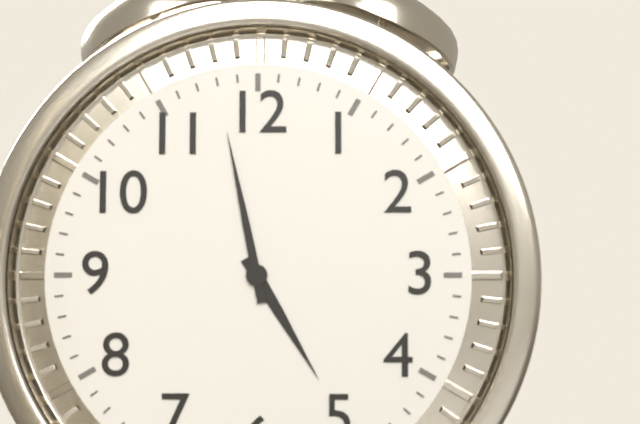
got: h=4 m=58
